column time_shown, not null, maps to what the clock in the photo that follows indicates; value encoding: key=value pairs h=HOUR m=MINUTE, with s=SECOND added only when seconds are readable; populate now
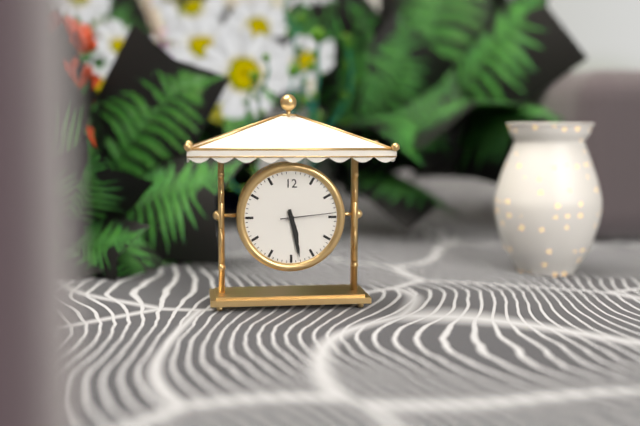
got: h=5 m=28 s=14
